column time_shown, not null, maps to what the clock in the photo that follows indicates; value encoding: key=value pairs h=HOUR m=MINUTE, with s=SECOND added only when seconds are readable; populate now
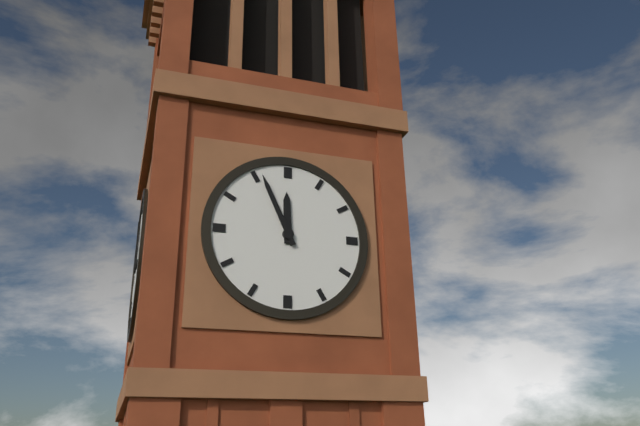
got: h=11 m=56
